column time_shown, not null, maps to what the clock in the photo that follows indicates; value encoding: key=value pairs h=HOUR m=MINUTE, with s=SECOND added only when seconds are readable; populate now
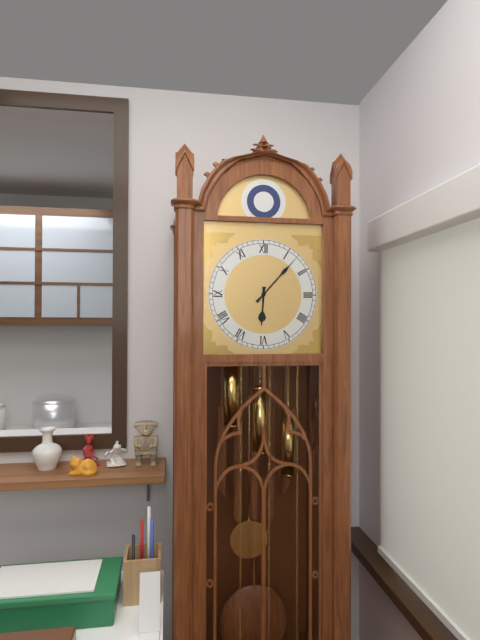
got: h=6 m=7
